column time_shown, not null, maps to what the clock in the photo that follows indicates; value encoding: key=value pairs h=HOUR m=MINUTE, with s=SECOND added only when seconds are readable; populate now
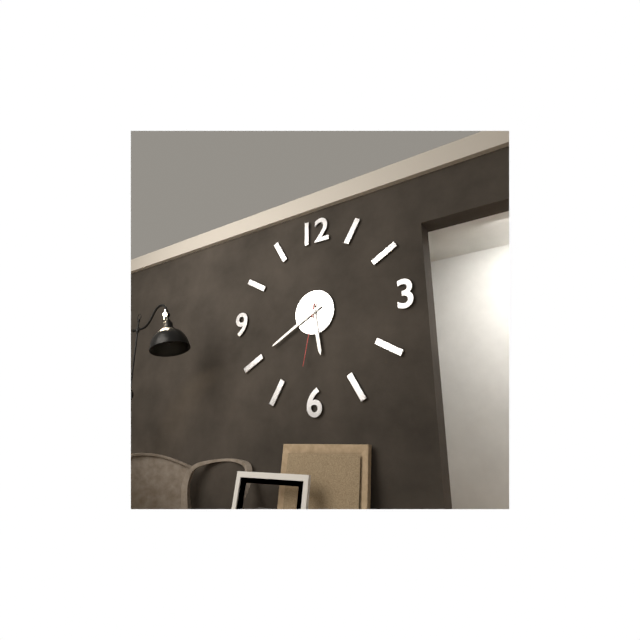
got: h=5 m=40 s=32
